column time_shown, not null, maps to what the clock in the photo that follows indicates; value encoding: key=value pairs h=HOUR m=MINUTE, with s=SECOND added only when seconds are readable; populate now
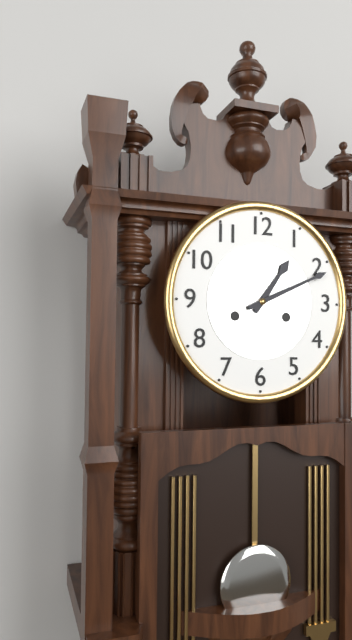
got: h=1 m=11
